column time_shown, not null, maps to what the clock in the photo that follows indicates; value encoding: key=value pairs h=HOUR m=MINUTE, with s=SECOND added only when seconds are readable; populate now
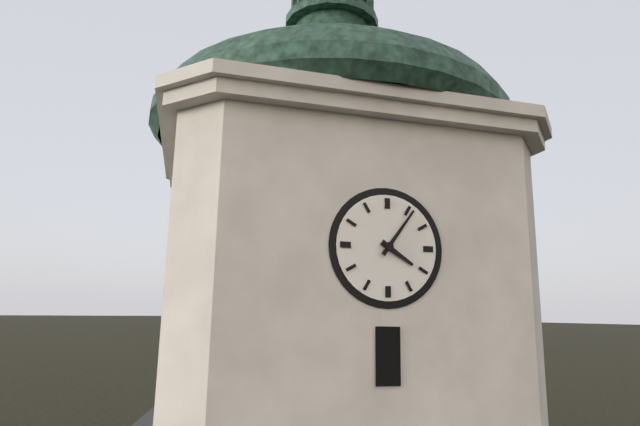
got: h=4 m=6
